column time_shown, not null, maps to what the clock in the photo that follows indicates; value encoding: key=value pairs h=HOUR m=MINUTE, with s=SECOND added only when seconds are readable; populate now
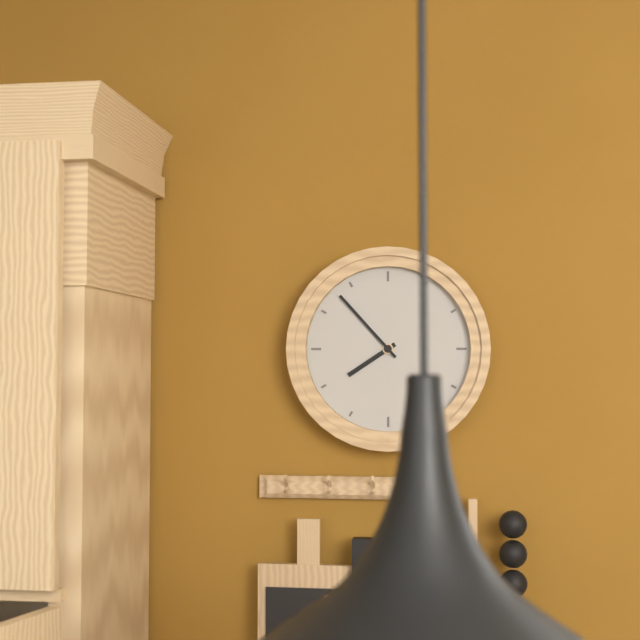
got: h=7 m=53
